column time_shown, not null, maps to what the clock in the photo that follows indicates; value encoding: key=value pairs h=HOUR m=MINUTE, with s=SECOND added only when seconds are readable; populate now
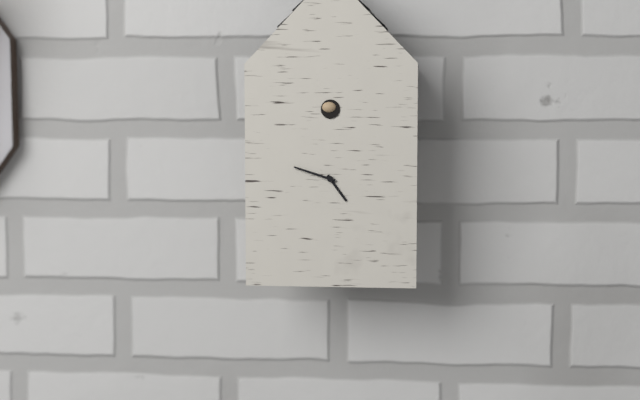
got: h=4 m=48
